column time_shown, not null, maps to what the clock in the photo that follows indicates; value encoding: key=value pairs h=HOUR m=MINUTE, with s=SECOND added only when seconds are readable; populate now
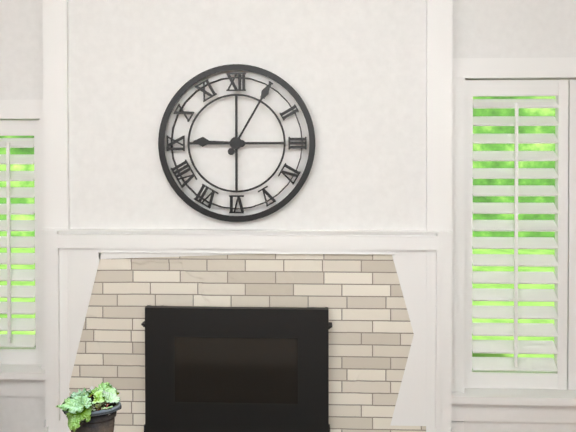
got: h=9 m=5
